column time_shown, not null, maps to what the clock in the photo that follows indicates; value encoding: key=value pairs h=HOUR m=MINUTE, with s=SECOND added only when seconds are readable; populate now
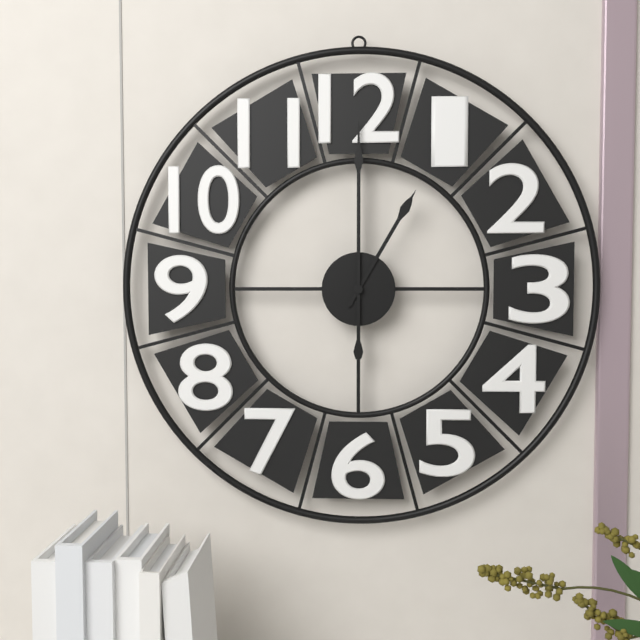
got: h=1 m=0
